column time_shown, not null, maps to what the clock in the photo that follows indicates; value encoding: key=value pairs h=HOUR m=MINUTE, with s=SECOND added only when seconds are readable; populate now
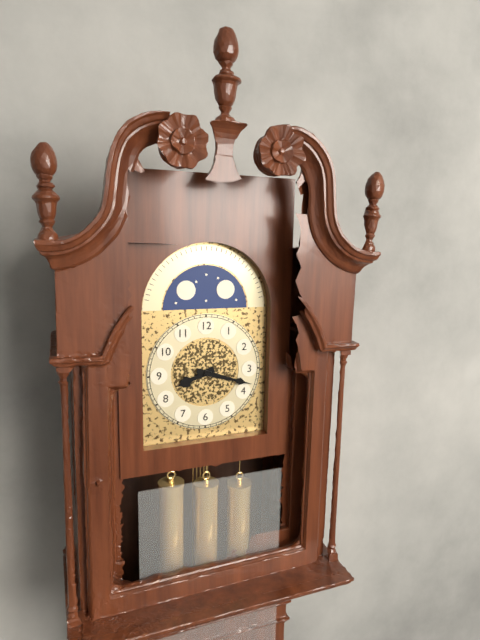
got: h=8 m=18
